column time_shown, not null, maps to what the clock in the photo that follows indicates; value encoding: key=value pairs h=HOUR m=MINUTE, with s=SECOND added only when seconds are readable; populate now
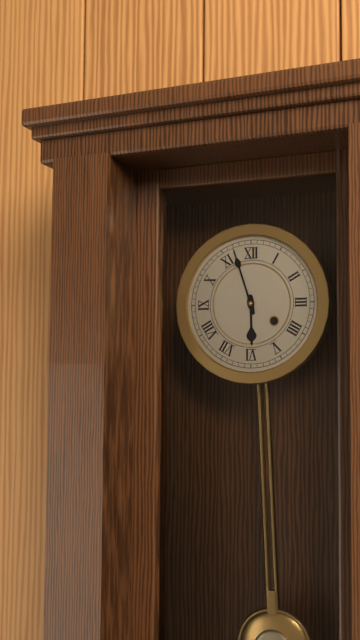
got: h=5 m=57
